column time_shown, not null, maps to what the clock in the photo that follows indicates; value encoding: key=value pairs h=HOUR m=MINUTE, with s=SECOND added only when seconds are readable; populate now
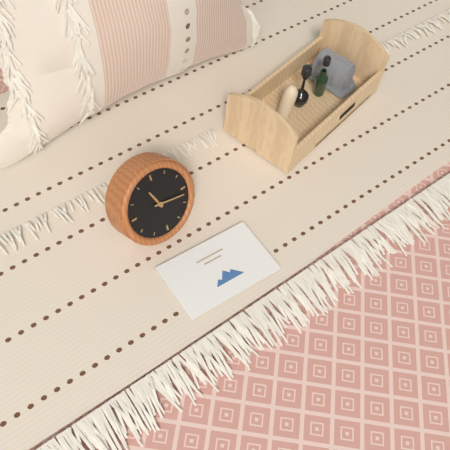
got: h=11 m=17
